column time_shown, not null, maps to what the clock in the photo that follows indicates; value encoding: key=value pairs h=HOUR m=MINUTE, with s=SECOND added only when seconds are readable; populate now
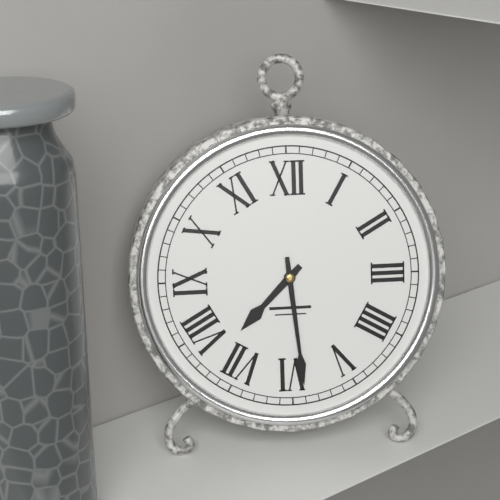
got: h=7 m=29
